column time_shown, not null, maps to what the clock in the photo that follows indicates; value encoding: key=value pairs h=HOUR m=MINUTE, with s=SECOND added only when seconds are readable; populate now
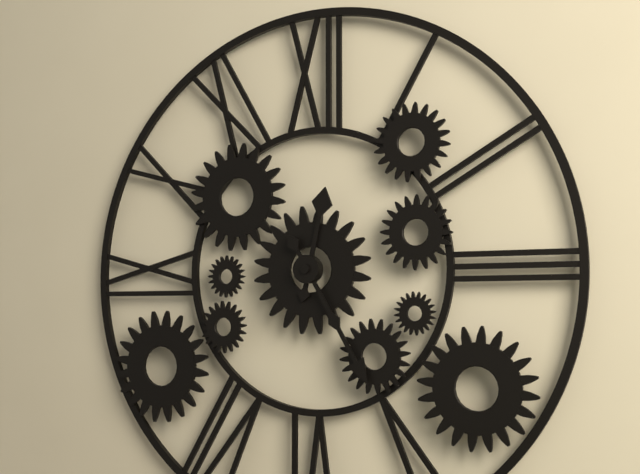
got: h=12 m=25
